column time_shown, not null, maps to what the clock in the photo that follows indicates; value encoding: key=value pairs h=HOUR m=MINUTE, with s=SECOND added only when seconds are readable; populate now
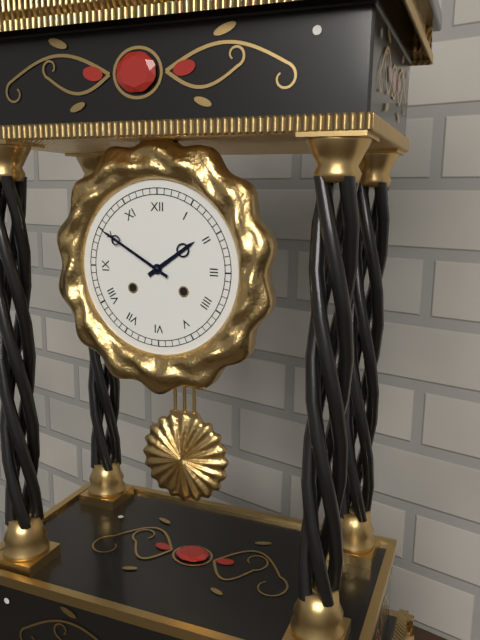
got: h=1 m=50
